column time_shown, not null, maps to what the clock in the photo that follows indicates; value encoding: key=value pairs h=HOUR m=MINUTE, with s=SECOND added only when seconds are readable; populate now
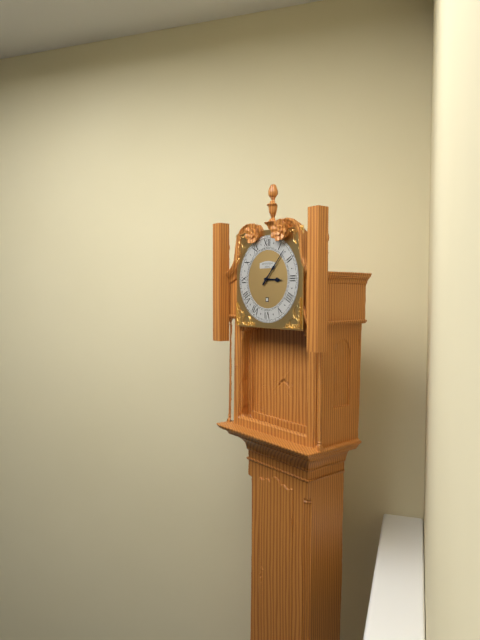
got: h=3 m=7
